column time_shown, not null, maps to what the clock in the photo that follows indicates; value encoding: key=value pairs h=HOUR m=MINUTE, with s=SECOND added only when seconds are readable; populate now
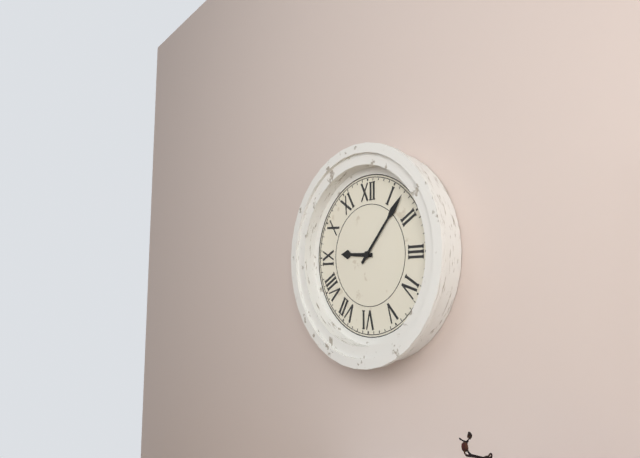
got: h=9 m=7
